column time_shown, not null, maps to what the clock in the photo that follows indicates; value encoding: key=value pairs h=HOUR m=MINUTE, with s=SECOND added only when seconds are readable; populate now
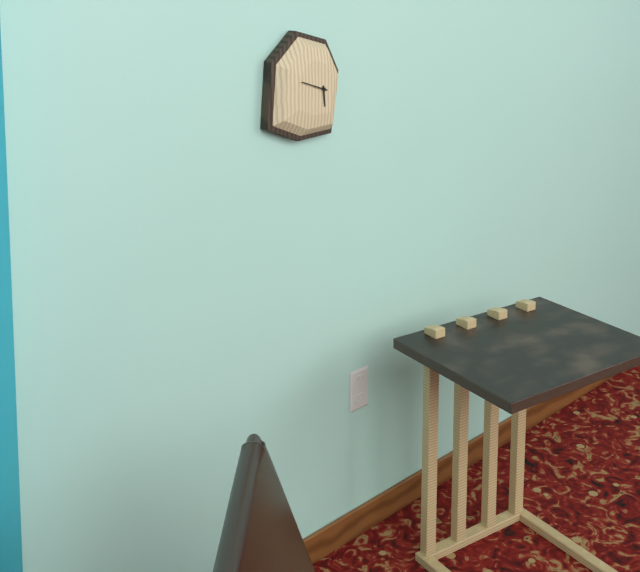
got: h=5 m=48
